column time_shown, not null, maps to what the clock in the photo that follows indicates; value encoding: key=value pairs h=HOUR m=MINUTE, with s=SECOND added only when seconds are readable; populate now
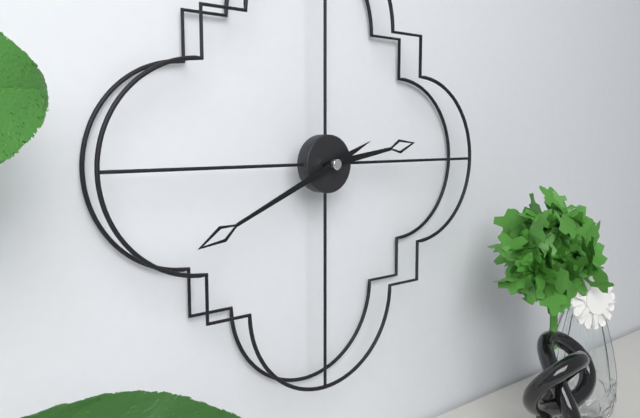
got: h=2 m=41
